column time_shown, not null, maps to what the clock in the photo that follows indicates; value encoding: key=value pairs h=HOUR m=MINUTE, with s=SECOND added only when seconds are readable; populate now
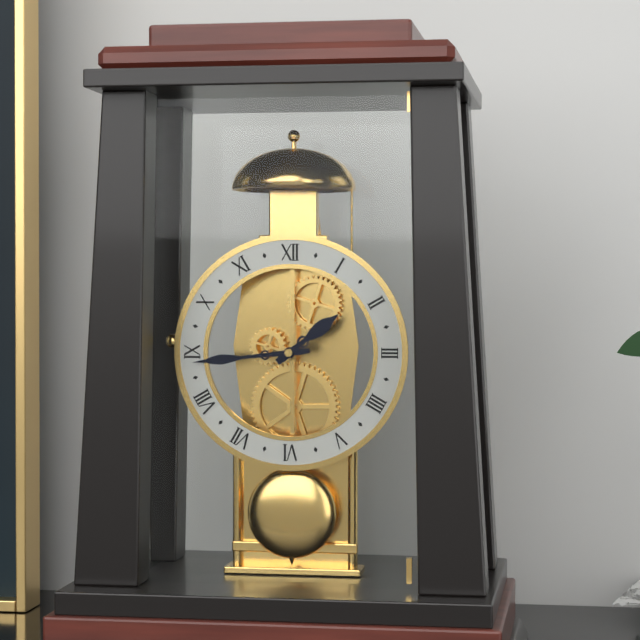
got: h=1 m=44
